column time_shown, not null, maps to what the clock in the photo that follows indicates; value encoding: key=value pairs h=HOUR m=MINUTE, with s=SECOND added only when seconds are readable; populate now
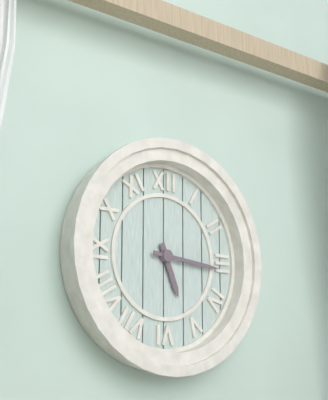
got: h=5 m=16
